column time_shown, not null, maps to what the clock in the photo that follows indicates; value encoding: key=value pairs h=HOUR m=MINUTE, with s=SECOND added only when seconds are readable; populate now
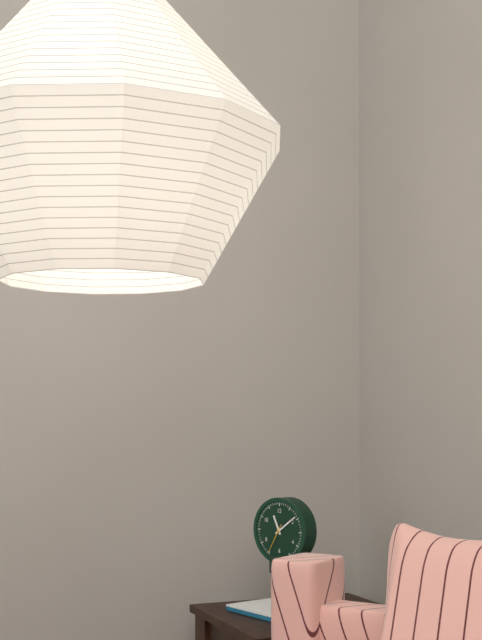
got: h=11 m=9
